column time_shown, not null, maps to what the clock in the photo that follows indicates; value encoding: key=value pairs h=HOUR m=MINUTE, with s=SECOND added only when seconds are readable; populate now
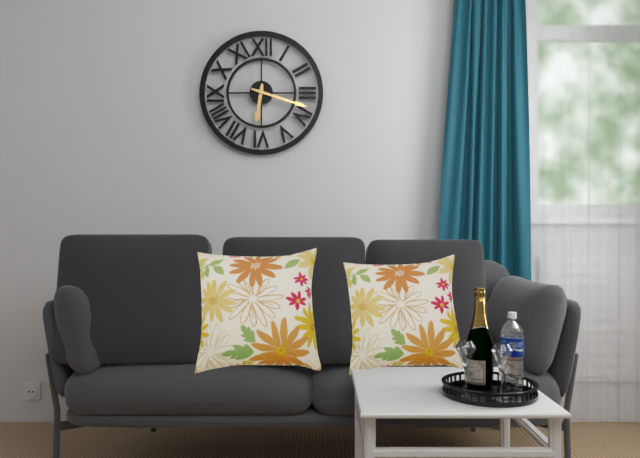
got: h=6 m=18
